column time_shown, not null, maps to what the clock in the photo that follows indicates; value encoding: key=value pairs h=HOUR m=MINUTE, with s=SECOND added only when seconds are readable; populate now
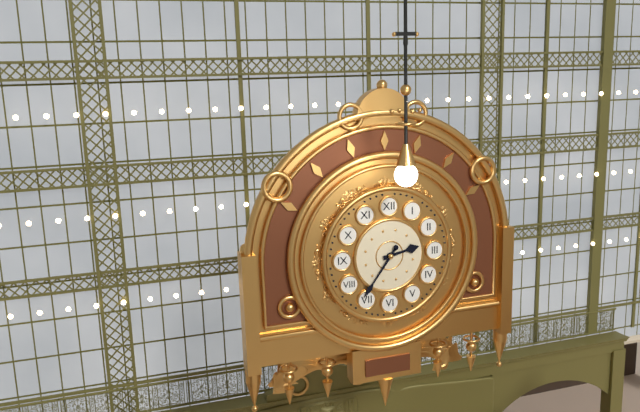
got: h=2 m=36
